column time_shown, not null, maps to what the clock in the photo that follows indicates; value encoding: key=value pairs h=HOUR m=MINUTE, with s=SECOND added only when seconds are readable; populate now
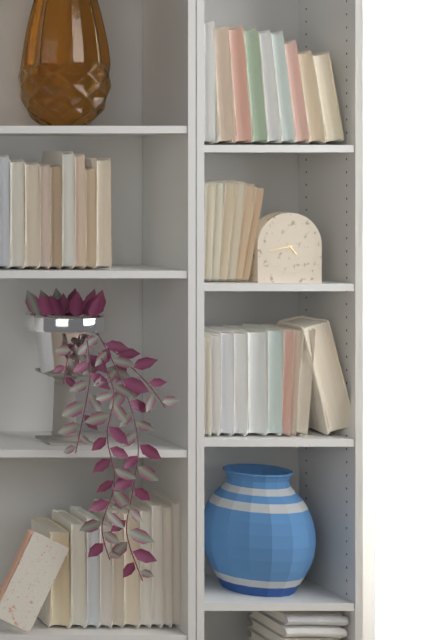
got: h=4 m=43
